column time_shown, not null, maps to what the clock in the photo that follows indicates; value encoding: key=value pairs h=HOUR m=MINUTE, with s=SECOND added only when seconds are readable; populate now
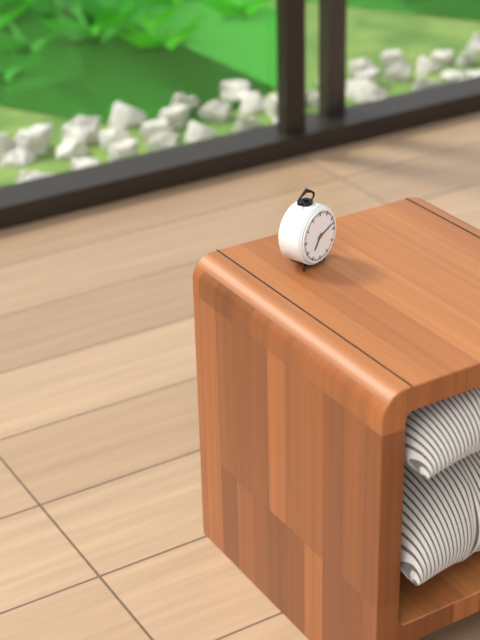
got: h=7 m=12
